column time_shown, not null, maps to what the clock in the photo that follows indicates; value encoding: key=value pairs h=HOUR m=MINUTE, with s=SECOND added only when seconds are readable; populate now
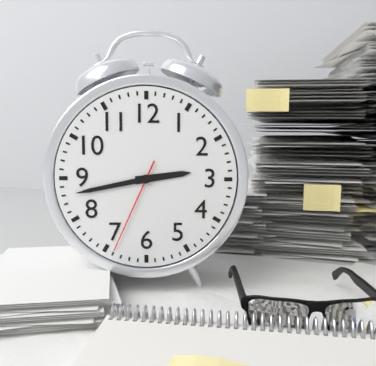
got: h=2 m=43 s=34
